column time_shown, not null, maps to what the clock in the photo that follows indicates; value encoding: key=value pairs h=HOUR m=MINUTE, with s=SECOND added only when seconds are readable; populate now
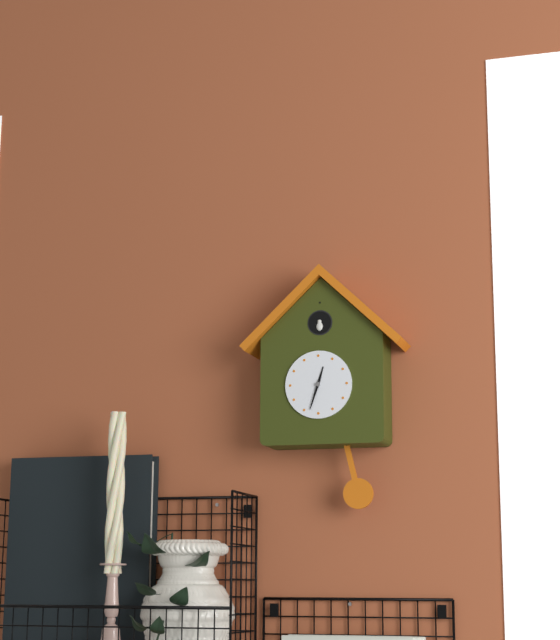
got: h=12 m=33
